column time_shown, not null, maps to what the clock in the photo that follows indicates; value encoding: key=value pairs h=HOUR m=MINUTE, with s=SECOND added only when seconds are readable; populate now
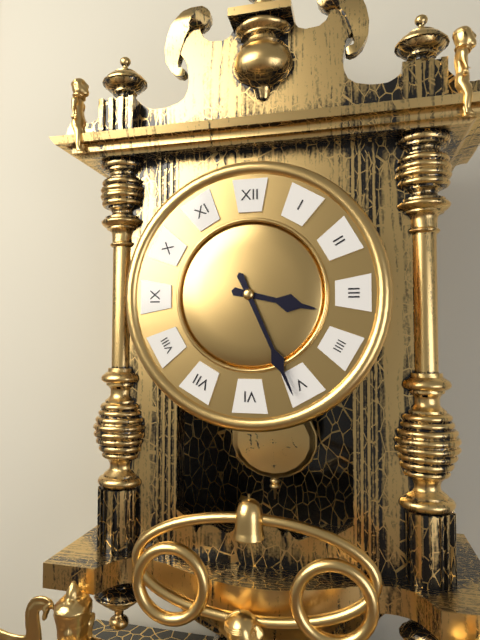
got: h=3 m=26
